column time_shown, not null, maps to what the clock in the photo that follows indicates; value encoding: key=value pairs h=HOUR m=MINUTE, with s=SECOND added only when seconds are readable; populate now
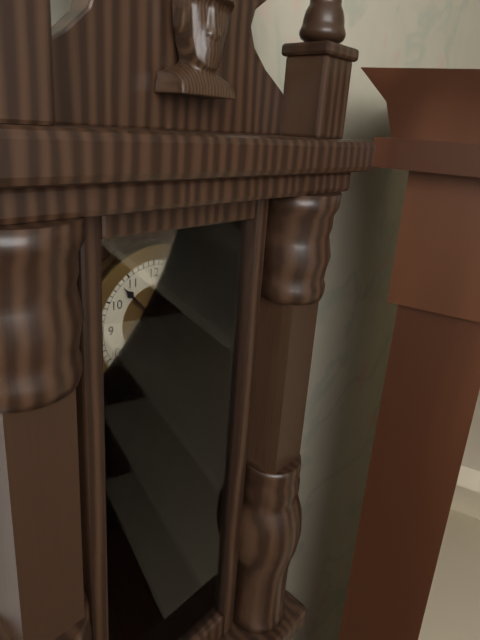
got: h=1 m=53
